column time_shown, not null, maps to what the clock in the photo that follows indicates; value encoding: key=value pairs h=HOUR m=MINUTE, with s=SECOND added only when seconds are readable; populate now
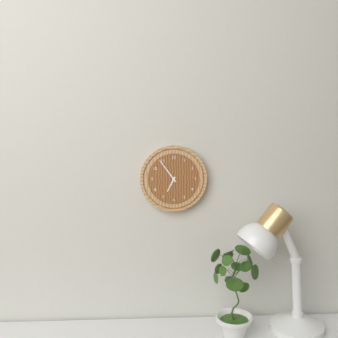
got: h=6 m=54
